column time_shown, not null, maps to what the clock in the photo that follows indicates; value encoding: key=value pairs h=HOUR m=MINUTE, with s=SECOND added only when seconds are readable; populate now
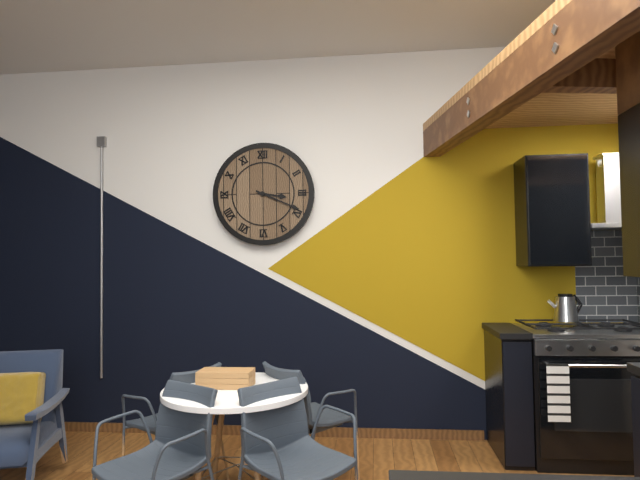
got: h=3 m=19
